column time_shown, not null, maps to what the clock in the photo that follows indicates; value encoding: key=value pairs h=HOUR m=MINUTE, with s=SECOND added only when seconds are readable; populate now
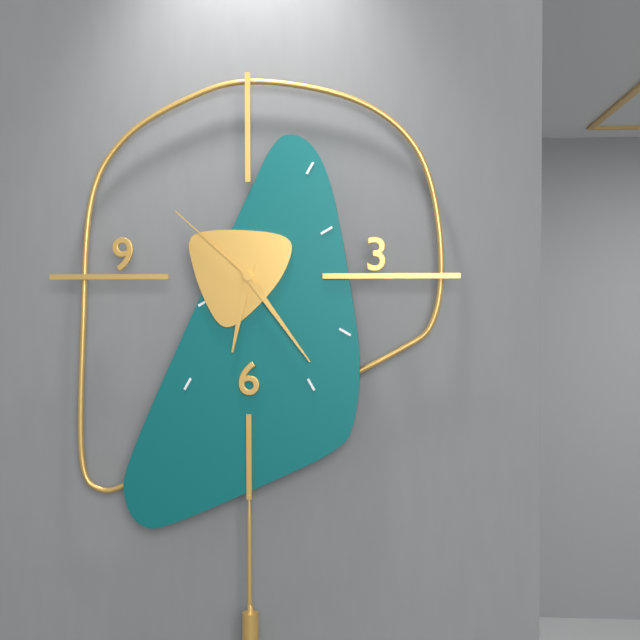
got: h=6 m=24 s=52
